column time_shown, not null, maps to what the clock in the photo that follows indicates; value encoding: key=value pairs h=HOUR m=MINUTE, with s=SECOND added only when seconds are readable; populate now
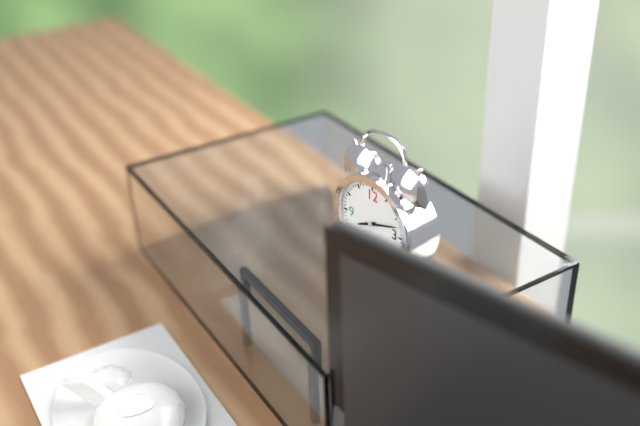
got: h=8 m=12
